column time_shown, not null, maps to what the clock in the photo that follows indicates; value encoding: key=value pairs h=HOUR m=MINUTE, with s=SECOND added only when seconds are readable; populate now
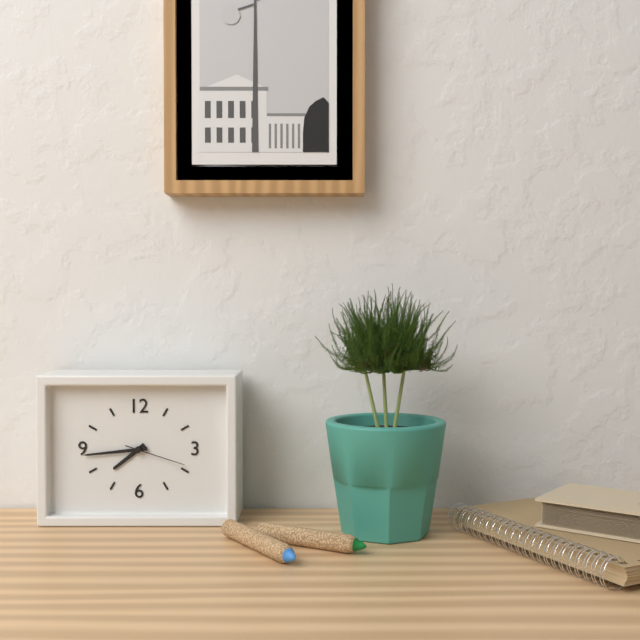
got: h=7 m=44 s=18
